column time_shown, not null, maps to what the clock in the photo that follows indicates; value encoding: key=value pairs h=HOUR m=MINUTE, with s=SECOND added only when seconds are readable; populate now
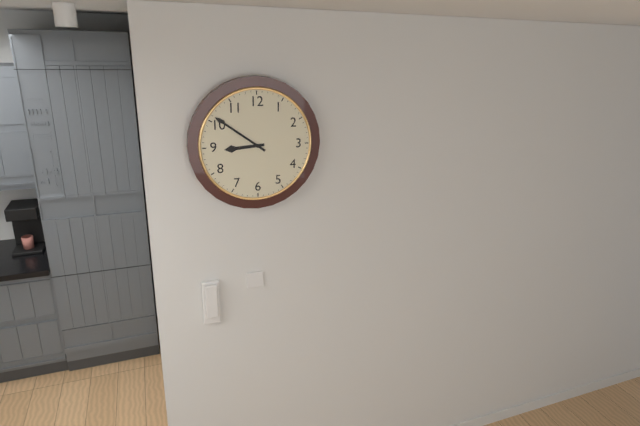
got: h=8 m=51
